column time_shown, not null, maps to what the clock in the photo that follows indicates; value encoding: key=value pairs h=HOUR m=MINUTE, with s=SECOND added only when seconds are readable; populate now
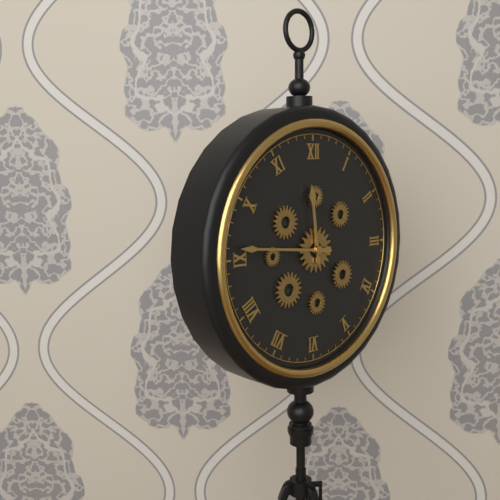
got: h=11 m=46
